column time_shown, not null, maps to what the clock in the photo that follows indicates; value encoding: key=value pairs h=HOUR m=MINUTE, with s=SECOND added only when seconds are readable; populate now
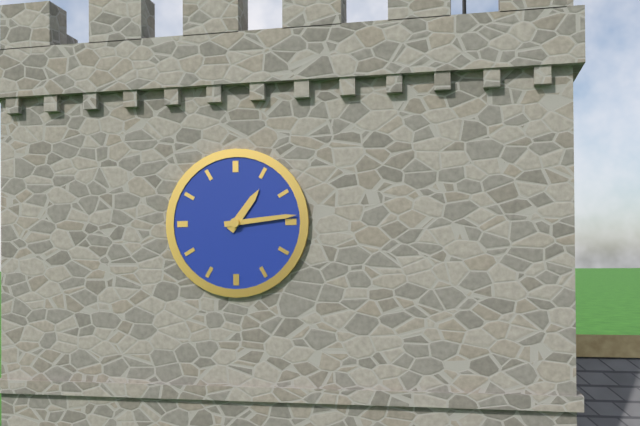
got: h=1 m=14
